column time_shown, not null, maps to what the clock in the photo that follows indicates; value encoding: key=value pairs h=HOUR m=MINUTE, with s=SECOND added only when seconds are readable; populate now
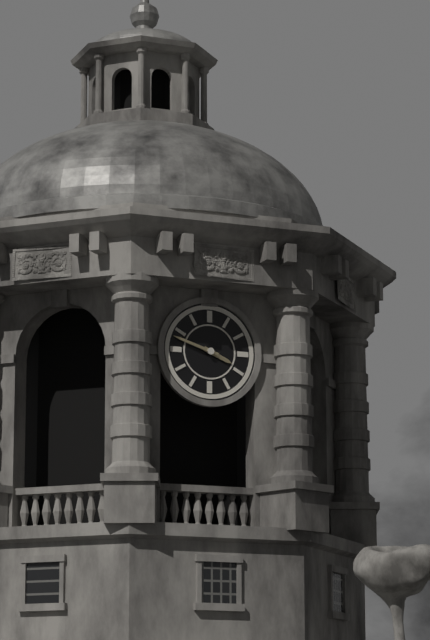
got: h=3 m=48
